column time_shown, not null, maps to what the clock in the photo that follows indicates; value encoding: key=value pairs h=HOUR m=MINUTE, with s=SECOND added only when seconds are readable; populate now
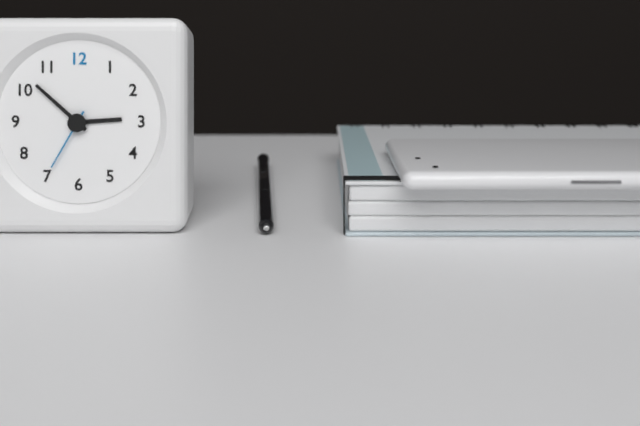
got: h=2 m=52 s=35
